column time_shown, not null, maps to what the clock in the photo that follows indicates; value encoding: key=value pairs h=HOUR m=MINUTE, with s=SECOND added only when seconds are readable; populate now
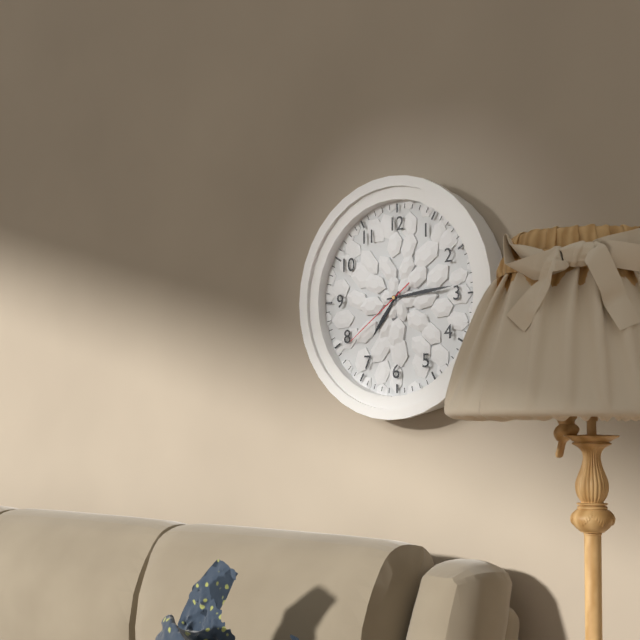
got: h=7 m=14 s=39
